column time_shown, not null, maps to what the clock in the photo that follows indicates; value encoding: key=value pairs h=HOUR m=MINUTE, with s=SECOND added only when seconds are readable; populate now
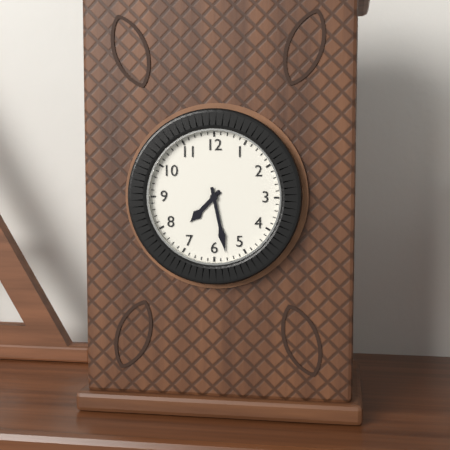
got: h=7 m=28
